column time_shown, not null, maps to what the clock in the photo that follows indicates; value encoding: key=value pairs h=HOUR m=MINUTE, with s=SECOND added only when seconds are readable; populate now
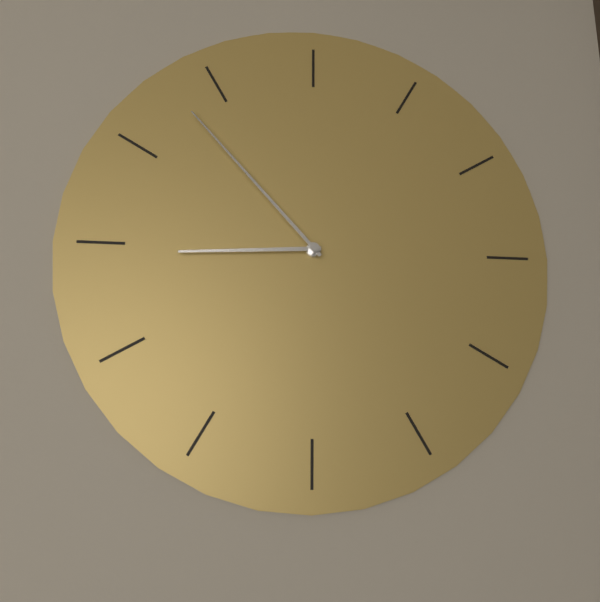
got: h=8 m=53
